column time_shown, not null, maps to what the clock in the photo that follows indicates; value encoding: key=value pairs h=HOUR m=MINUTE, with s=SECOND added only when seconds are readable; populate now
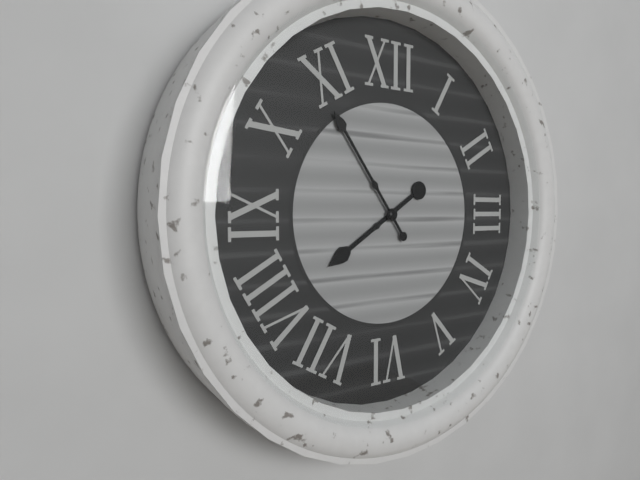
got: h=7 m=54
